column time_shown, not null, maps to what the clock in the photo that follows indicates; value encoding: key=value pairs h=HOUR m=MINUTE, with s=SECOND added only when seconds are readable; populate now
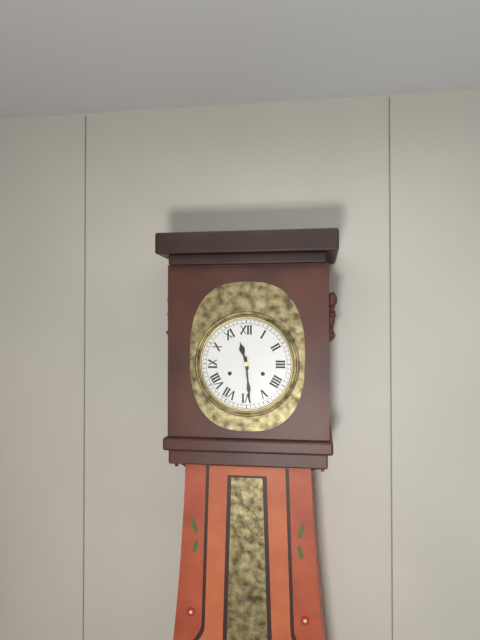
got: h=11 m=29
